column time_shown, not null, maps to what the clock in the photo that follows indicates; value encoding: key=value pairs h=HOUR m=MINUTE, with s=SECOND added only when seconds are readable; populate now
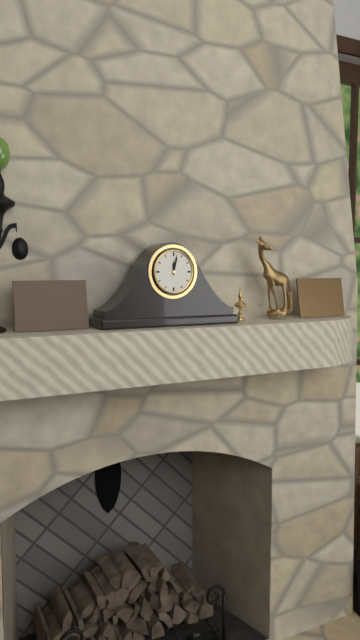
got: h=12 m=2
